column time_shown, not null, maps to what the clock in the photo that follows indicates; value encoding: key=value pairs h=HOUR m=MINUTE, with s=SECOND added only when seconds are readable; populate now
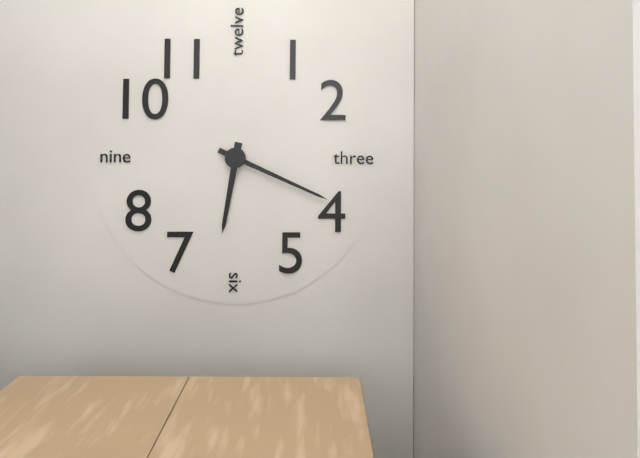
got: h=6 m=19
